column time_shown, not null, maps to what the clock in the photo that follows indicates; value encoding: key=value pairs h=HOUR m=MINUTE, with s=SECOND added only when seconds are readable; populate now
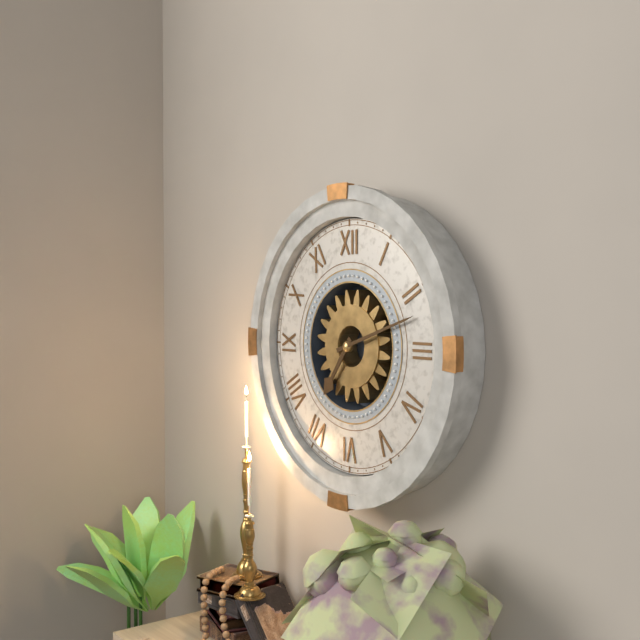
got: h=7 m=12
